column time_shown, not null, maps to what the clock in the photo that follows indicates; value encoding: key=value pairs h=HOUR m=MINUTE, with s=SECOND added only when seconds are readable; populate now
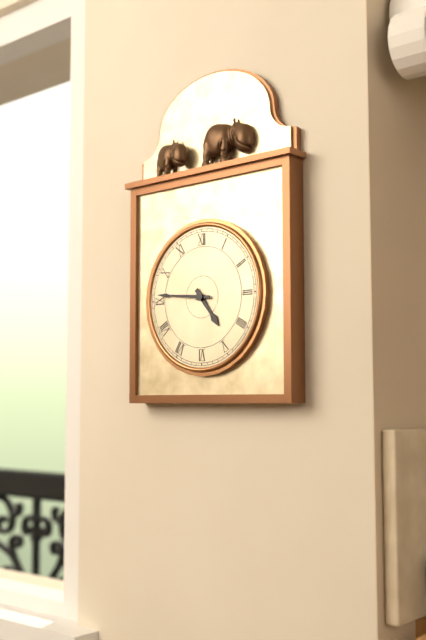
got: h=4 m=46
